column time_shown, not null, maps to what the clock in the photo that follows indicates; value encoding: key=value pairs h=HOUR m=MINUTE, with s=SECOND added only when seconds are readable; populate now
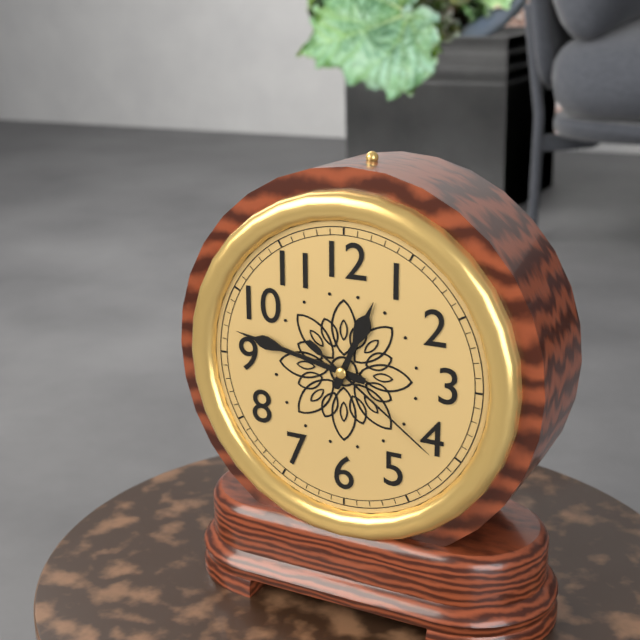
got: h=12 m=47 s=21
